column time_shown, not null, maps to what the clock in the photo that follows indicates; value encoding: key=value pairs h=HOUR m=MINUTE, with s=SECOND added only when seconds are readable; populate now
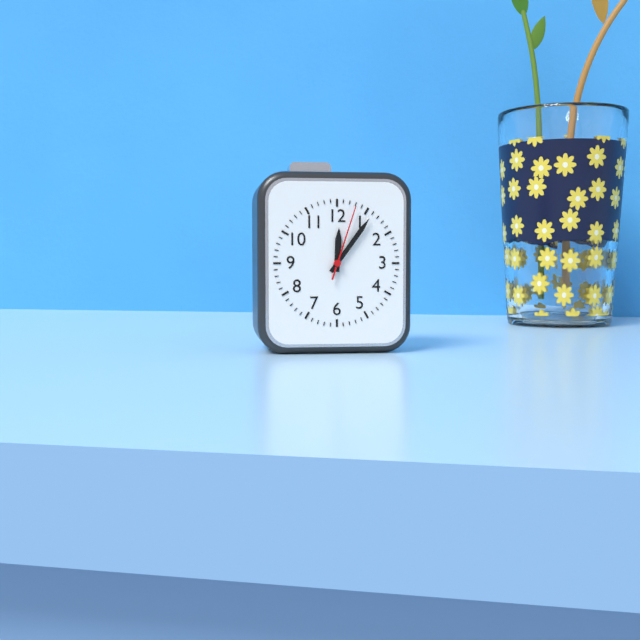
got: h=12 m=6 s=3
